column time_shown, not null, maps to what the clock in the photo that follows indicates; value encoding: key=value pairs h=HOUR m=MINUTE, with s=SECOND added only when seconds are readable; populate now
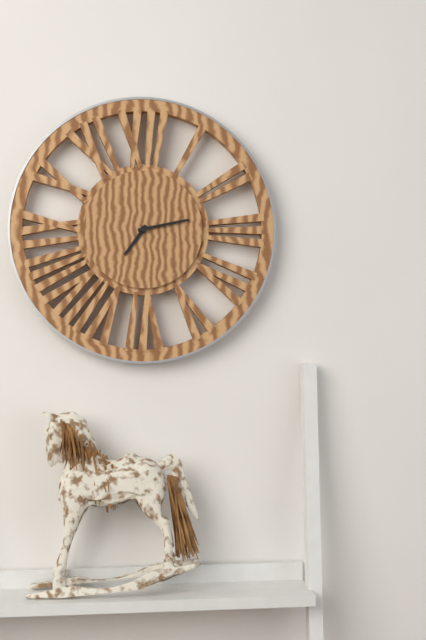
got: h=7 m=13
